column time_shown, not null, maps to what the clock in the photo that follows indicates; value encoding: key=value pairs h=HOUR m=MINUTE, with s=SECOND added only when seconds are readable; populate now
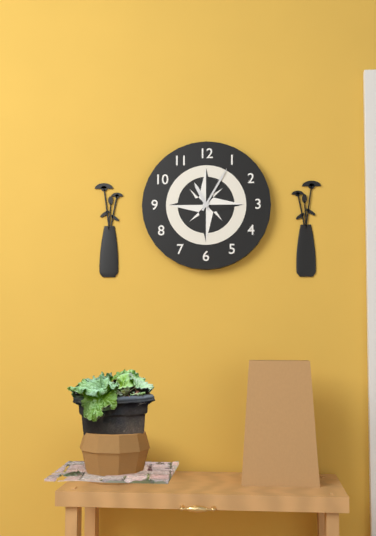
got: h=11 m=5
